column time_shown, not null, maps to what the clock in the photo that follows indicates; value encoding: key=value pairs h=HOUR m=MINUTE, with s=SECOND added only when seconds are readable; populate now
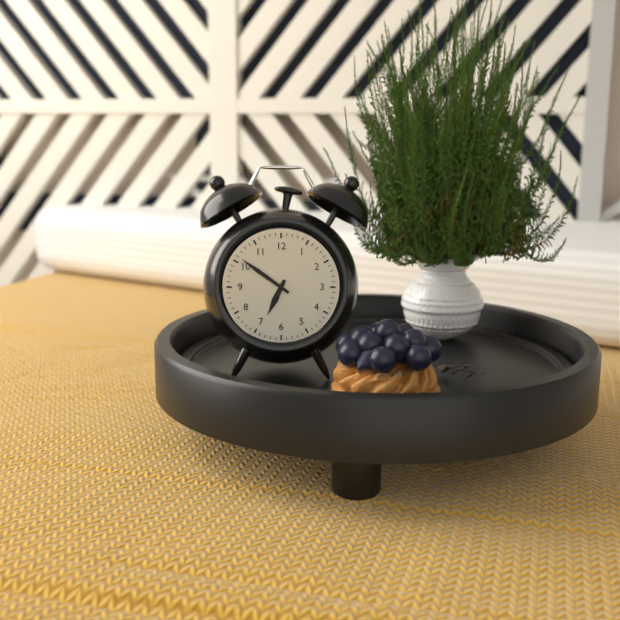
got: h=6 m=51
